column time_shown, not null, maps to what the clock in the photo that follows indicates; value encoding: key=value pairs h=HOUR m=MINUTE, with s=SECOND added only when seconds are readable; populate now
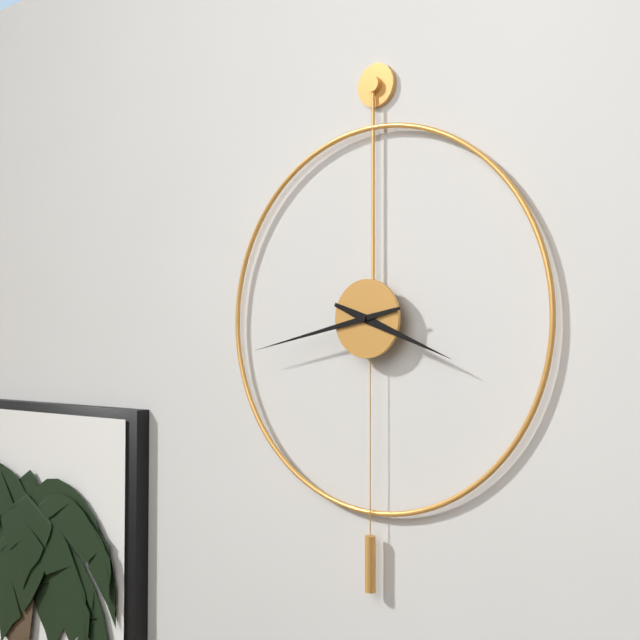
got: h=3 m=43
